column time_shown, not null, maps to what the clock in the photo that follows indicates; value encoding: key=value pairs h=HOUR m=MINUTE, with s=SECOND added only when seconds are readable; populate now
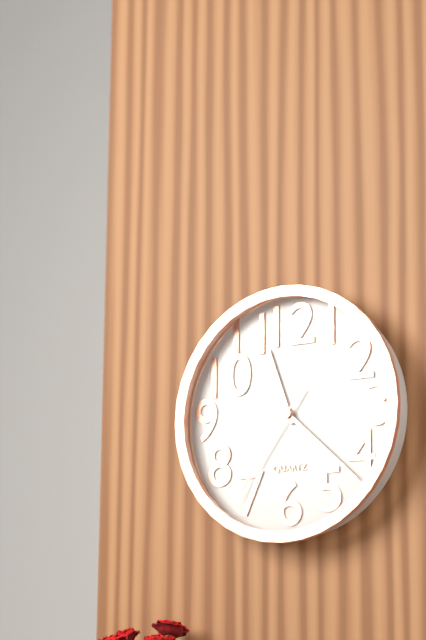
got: h=11 m=22 s=36
